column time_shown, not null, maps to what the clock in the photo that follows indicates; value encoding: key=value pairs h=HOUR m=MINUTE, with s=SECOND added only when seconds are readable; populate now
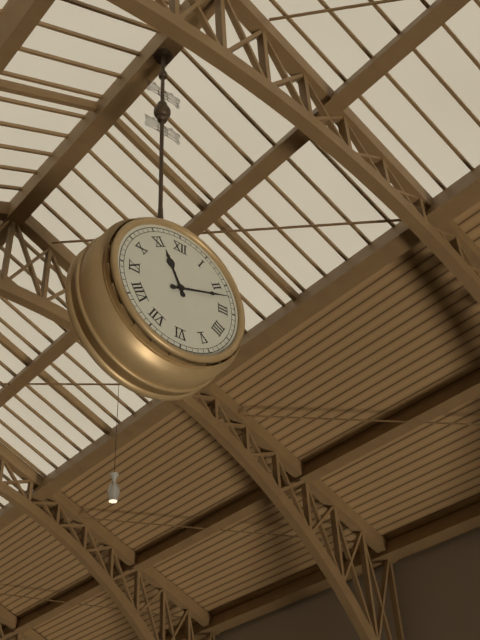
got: h=11 m=12
